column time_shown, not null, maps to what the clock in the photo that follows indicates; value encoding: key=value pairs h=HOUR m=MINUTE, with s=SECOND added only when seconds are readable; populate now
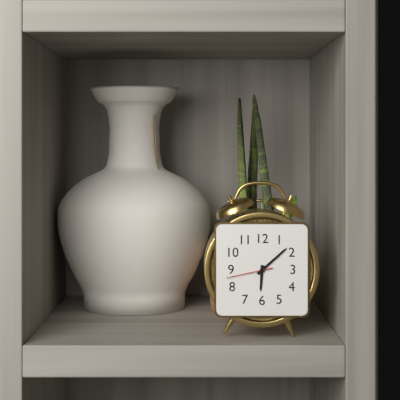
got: h=6 m=8
